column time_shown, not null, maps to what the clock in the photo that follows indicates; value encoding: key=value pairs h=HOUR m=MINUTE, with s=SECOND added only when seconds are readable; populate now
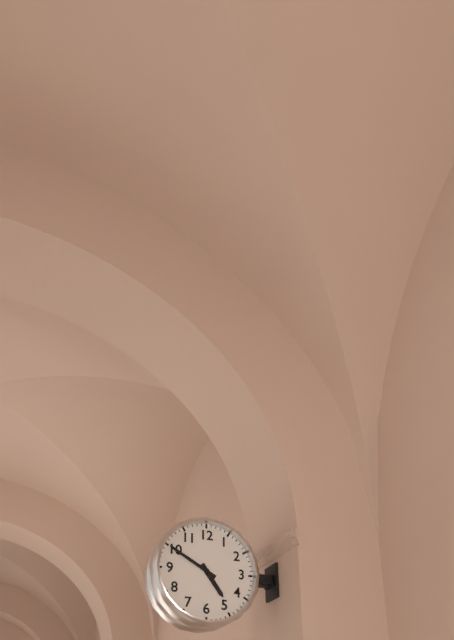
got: h=4 m=50
